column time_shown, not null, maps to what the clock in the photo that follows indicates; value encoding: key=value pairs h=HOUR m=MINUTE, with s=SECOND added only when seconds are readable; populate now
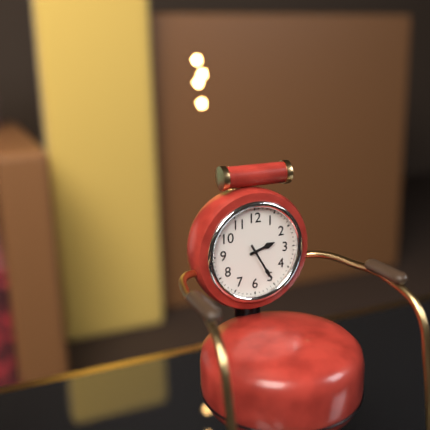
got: h=2 m=25
